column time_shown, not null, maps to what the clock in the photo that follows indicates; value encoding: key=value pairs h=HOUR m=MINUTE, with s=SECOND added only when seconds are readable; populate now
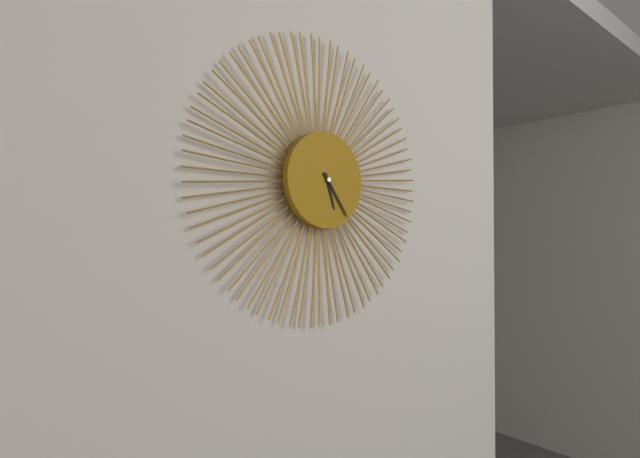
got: h=5 m=24
